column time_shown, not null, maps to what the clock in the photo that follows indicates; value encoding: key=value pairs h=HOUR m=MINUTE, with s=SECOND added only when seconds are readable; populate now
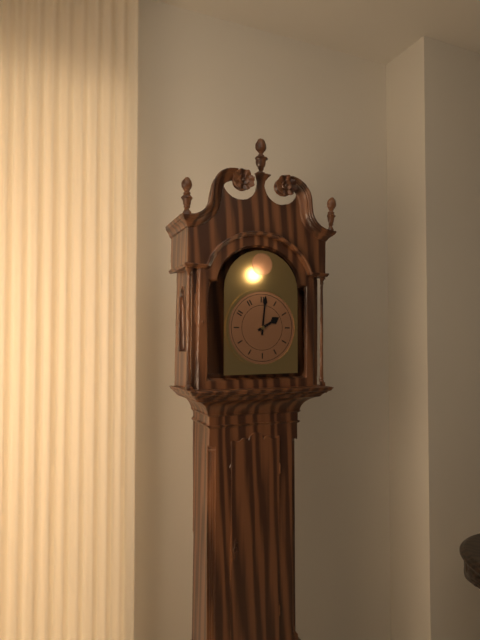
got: h=2 m=1
